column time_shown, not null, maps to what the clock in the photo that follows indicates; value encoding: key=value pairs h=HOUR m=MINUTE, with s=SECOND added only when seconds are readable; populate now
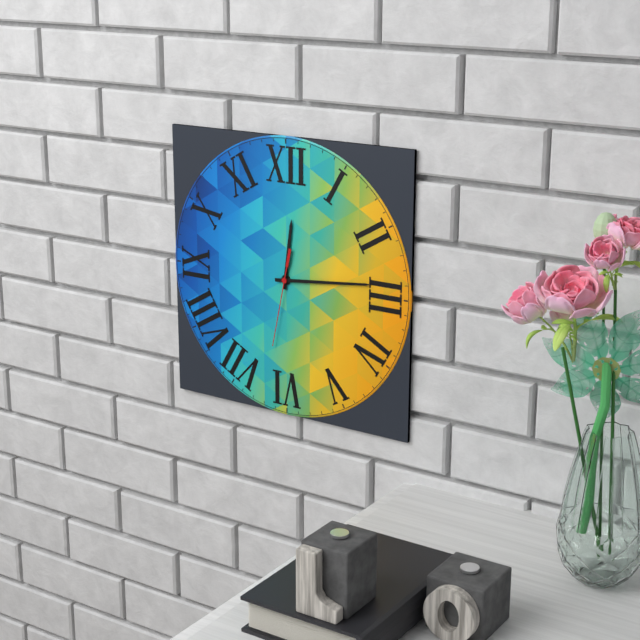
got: h=12 m=14 s=32
